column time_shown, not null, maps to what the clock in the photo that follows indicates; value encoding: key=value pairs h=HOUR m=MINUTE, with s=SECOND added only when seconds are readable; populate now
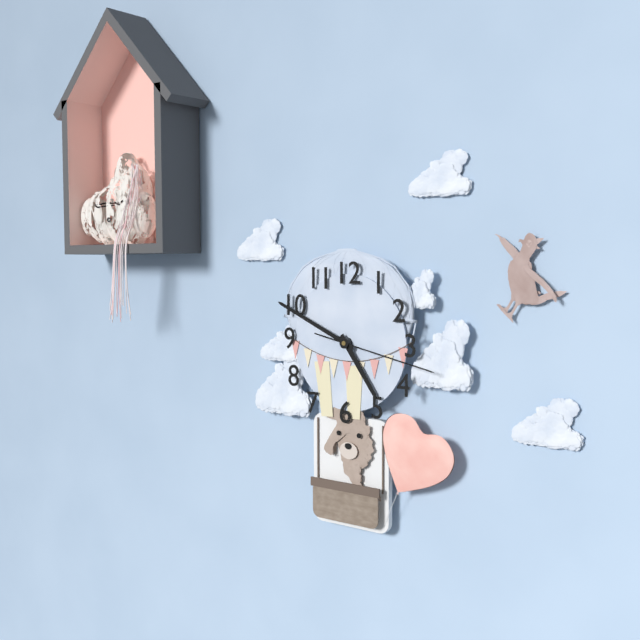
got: h=4 m=49 s=17
